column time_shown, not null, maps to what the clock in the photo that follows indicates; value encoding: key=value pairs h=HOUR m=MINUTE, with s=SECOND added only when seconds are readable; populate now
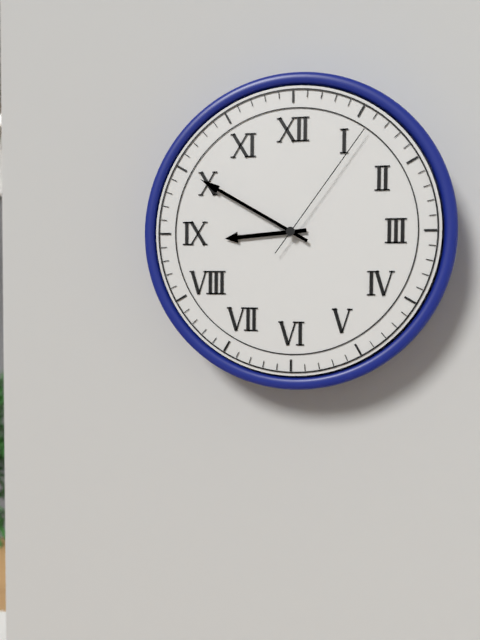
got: h=8 m=50 s=6
